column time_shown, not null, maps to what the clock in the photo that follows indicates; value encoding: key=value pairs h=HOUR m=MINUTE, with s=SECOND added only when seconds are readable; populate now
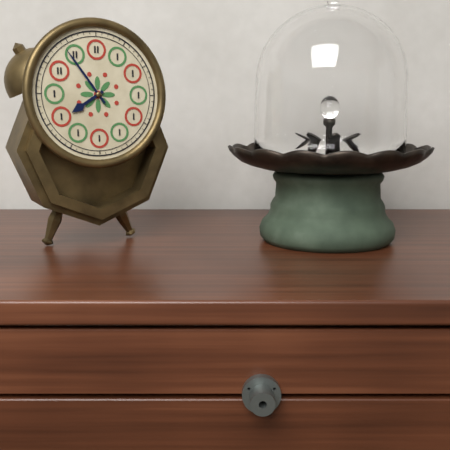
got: h=7 m=54
